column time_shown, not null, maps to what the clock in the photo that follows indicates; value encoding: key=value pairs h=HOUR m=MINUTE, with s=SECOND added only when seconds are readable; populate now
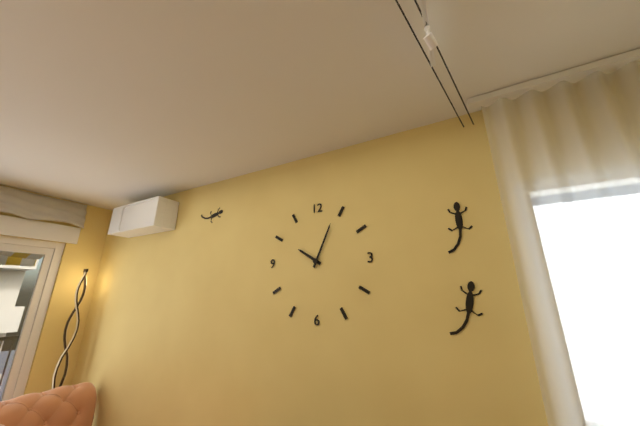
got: h=10 m=4
